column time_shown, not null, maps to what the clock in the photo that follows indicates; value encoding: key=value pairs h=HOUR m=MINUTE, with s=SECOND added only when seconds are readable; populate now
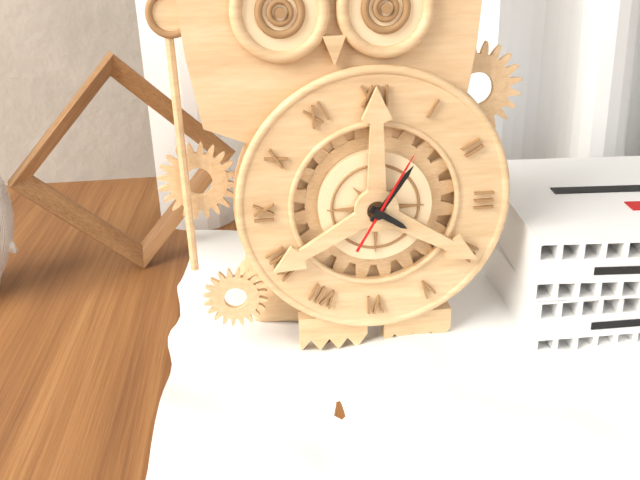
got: h=4 m=6 s=5
